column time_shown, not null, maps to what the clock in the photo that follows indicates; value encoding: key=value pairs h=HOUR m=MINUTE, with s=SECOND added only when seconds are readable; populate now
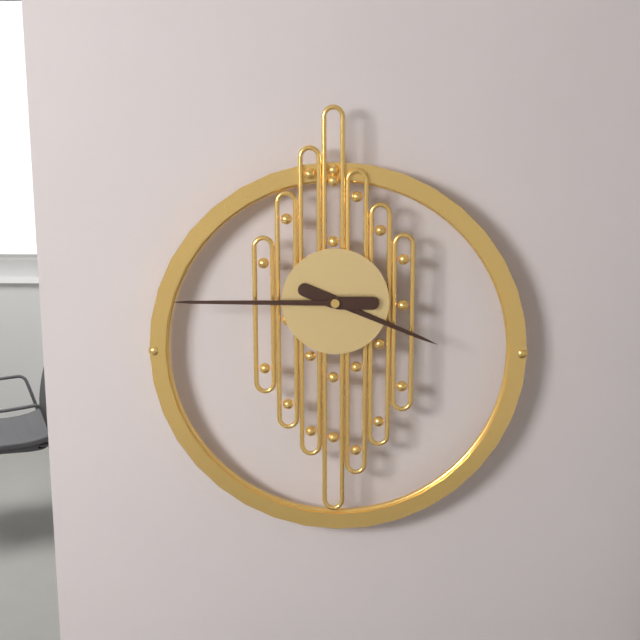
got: h=3 m=45
